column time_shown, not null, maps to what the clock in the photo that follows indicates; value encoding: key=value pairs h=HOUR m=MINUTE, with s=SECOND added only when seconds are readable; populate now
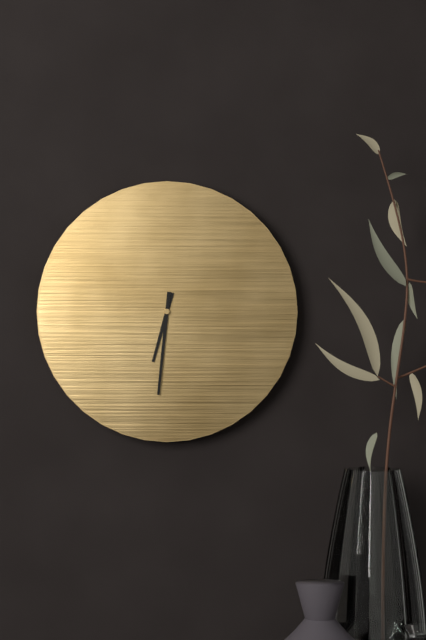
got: h=6 m=31
